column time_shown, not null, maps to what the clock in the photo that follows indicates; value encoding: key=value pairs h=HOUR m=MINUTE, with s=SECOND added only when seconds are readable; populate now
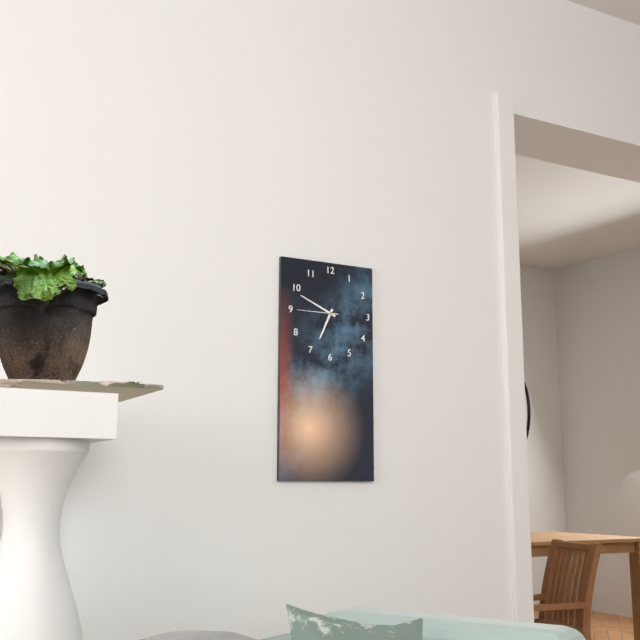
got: h=6 m=49
